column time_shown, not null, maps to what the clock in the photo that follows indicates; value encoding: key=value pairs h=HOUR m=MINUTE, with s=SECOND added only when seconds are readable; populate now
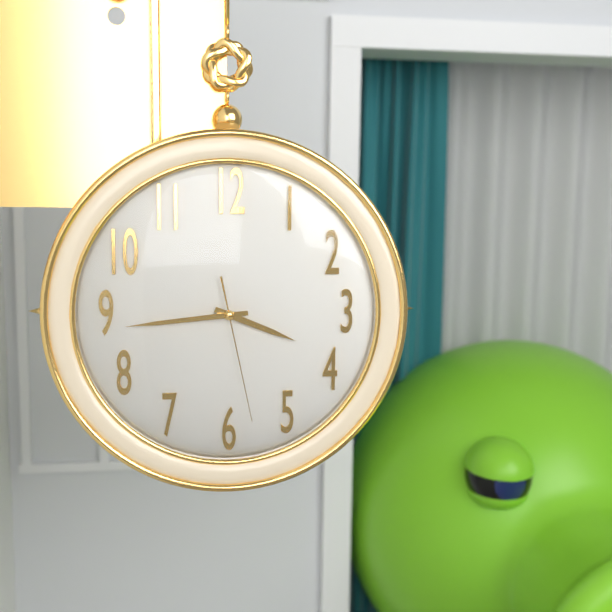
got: h=3 m=44 s=28
